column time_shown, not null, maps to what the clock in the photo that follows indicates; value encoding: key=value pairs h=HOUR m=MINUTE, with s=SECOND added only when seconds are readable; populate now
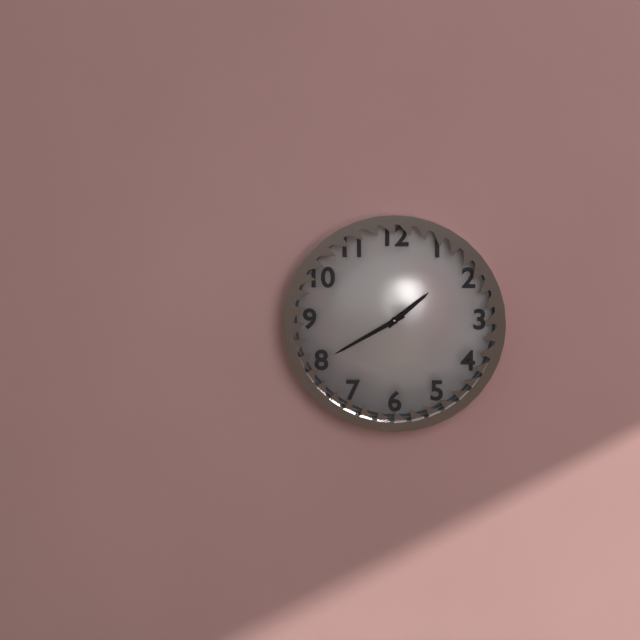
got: h=1 m=40
